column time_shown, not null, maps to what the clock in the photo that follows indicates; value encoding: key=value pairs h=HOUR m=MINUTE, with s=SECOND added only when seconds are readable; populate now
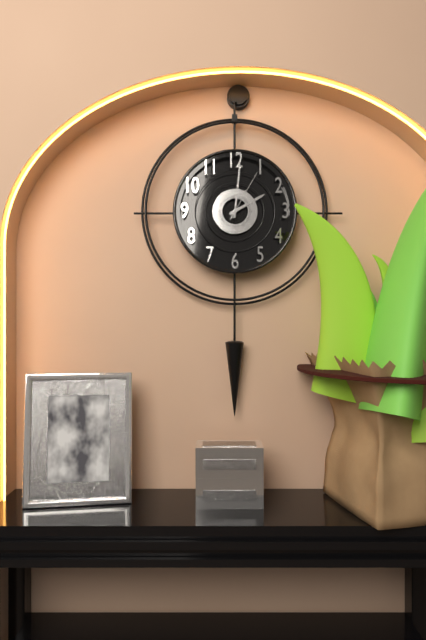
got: h=2 m=1 s=5
